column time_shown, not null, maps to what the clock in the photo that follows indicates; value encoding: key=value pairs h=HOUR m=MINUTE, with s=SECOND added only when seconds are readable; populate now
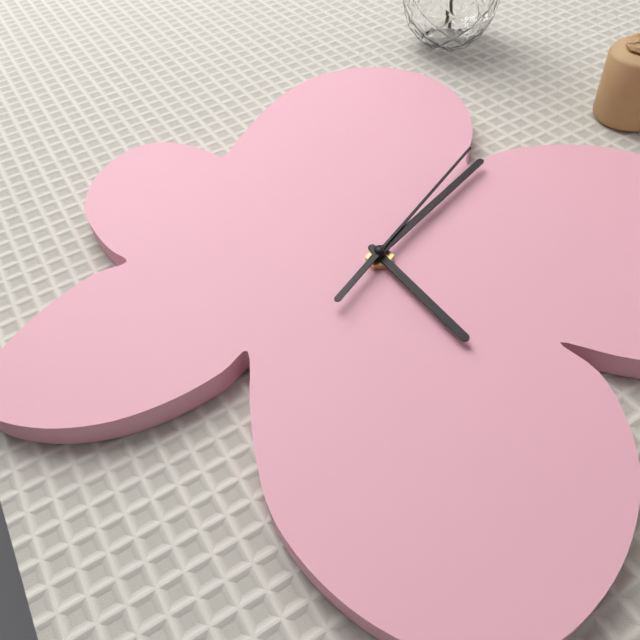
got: h=4 m=2 s=1
